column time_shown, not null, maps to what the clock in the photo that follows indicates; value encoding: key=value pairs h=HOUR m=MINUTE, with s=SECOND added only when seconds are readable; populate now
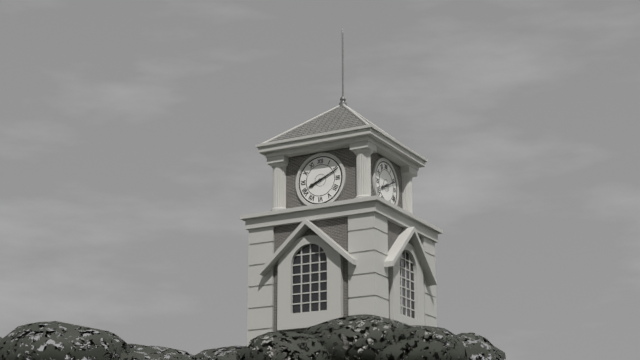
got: h=8 m=11
